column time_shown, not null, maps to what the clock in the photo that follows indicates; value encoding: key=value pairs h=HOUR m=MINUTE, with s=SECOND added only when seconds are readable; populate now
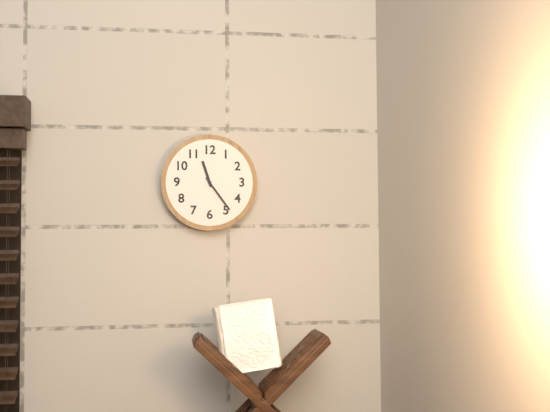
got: h=11 m=24
